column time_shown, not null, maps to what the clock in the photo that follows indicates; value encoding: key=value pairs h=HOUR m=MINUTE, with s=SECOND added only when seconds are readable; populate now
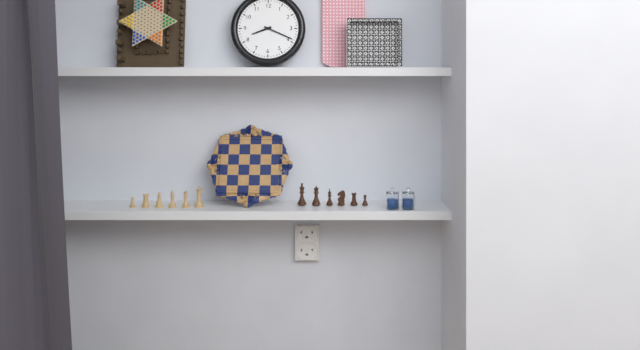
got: h=8 m=19
